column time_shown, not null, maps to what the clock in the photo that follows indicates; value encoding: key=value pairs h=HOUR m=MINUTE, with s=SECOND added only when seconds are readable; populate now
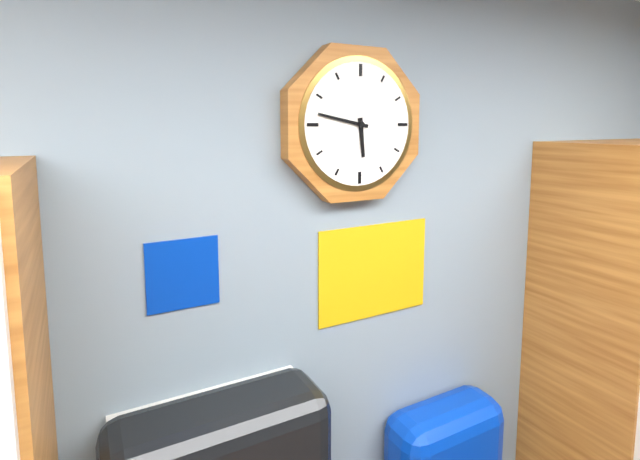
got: h=5 m=47
